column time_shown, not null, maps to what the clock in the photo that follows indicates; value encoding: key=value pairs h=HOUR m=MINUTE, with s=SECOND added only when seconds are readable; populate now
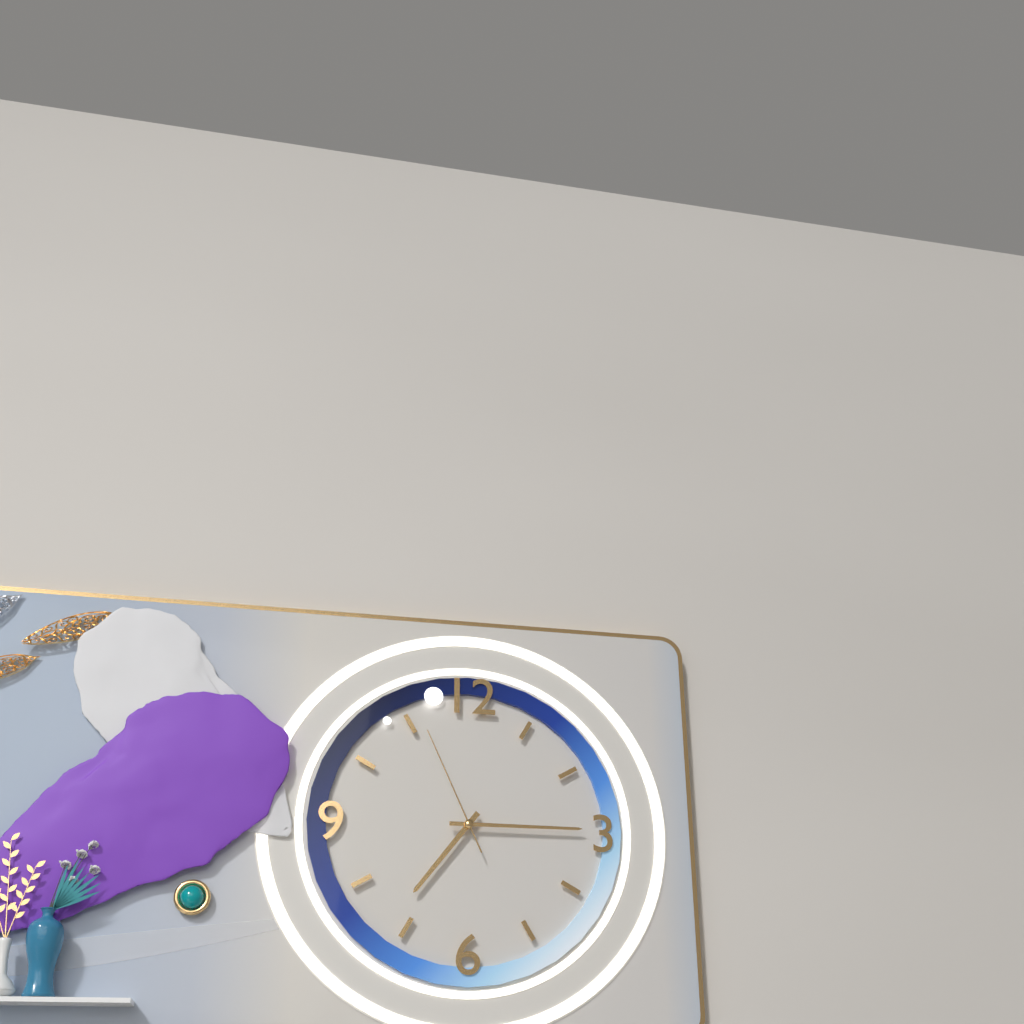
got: h=7 m=15 s=56
